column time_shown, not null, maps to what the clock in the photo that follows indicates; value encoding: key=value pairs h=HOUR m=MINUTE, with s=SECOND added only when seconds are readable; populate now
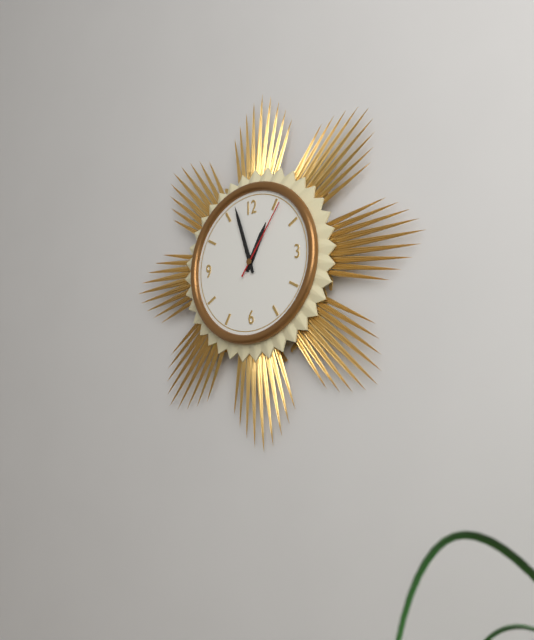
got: h=12 m=57 s=6
